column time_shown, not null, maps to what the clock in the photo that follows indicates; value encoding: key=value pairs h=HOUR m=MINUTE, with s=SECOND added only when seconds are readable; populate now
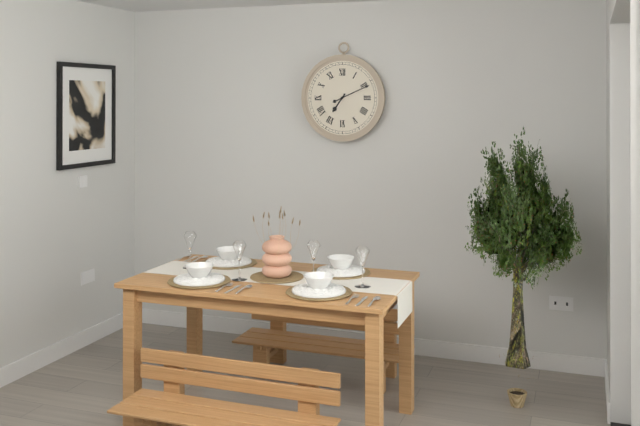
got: h=7 m=11
